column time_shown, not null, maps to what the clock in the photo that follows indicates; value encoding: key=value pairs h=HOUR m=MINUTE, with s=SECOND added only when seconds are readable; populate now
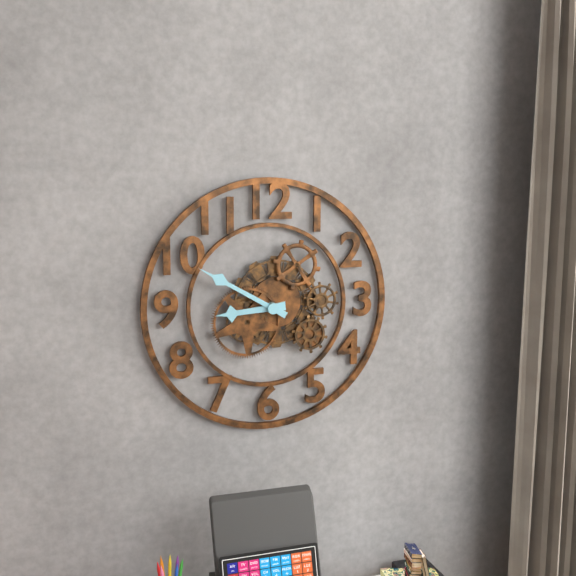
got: h=8 m=50
